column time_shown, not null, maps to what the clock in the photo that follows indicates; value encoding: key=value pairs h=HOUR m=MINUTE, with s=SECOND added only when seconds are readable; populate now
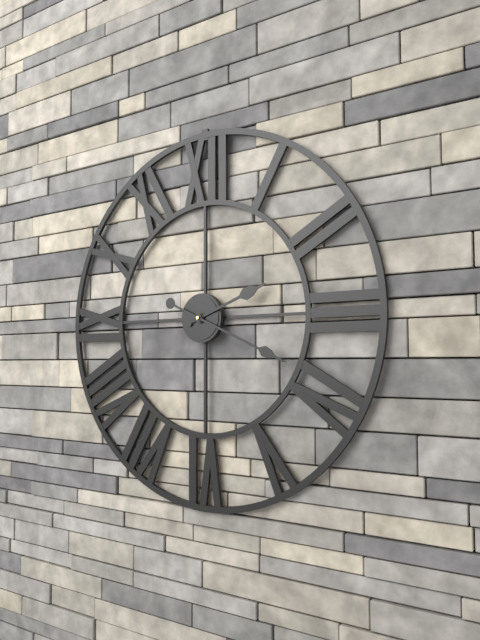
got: h=2 m=19
